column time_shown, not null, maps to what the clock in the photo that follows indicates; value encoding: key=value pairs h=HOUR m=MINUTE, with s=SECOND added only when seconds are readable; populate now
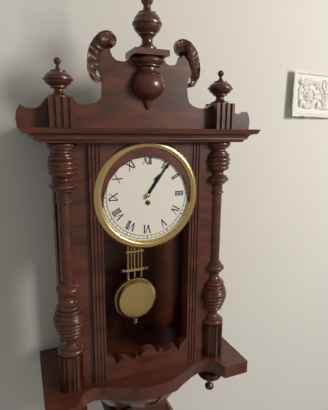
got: h=1 m=6
